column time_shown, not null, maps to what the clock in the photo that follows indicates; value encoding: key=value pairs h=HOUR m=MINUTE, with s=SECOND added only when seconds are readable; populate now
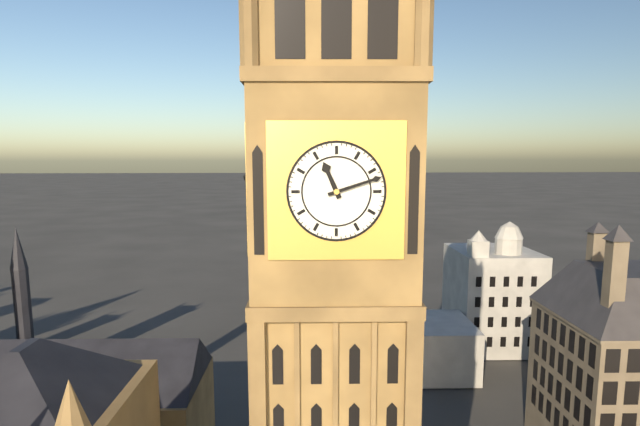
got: h=11 m=12
